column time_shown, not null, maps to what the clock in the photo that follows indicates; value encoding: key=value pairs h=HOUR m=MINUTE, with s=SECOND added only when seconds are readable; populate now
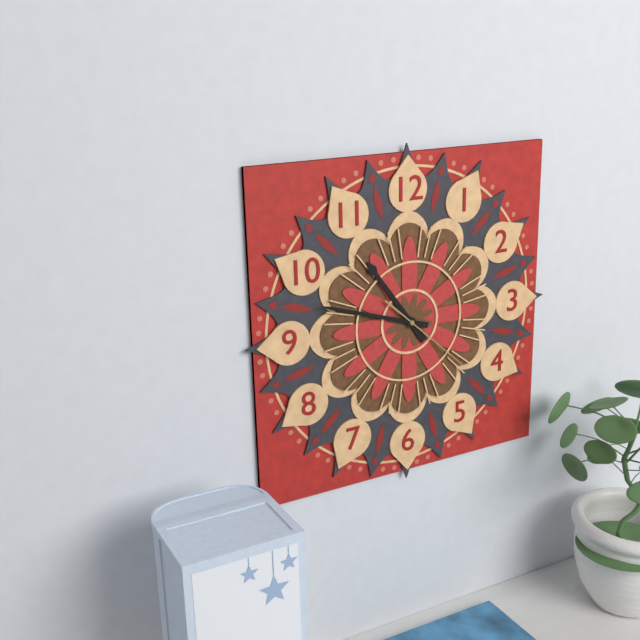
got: h=10 m=48 s=22
